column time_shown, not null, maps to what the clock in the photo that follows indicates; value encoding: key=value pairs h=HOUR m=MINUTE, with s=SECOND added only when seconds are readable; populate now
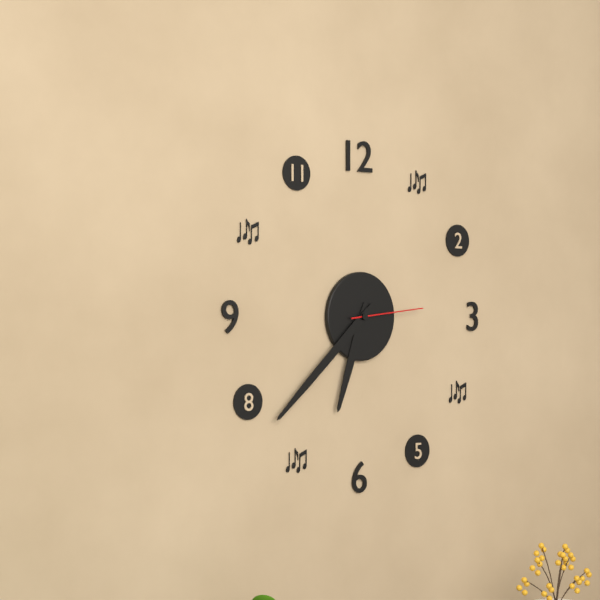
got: h=6 m=38 s=14
